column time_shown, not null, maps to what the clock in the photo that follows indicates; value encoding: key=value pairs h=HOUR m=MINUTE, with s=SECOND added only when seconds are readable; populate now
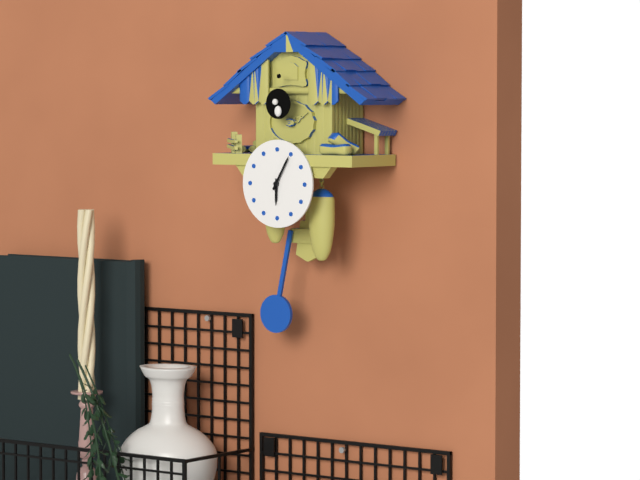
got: h=6 m=5
